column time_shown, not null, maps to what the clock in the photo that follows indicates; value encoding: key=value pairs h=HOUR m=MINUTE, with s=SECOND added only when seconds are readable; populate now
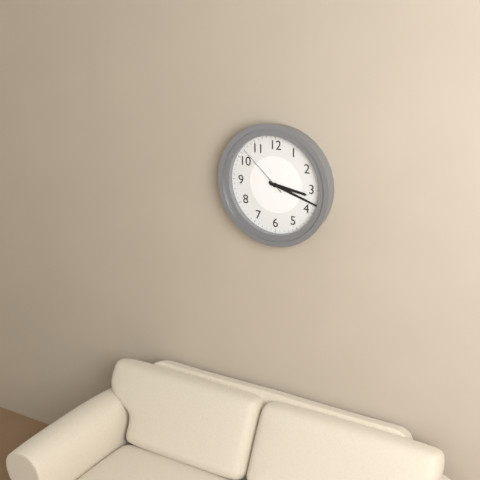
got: h=3 m=18 s=52
